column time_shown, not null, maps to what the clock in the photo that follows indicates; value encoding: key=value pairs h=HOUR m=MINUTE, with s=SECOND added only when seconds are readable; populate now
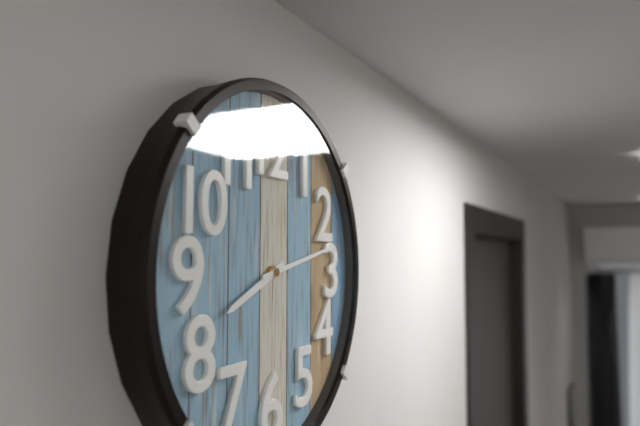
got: h=8 m=13
